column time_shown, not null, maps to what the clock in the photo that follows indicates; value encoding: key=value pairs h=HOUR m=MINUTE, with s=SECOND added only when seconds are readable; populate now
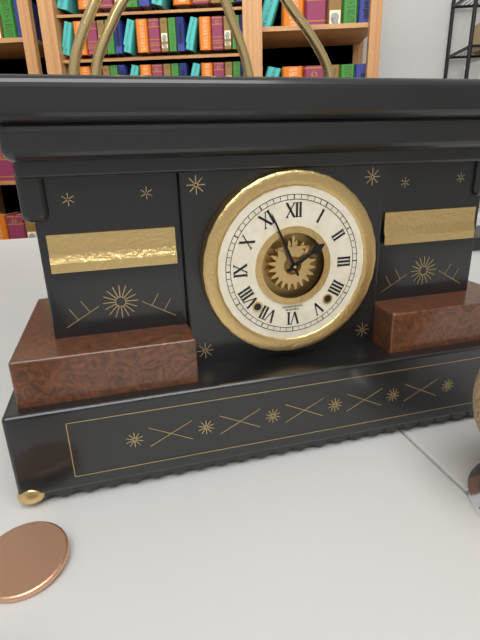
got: h=1 m=56
